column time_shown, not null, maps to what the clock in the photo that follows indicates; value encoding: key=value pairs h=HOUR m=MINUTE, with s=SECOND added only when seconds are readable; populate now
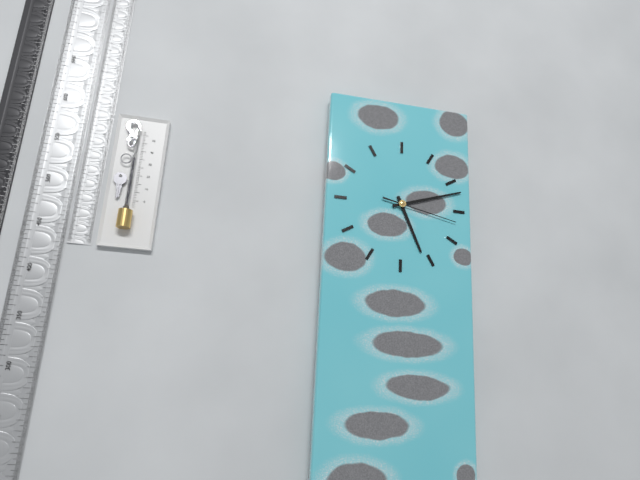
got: h=5 m=12 s=17
